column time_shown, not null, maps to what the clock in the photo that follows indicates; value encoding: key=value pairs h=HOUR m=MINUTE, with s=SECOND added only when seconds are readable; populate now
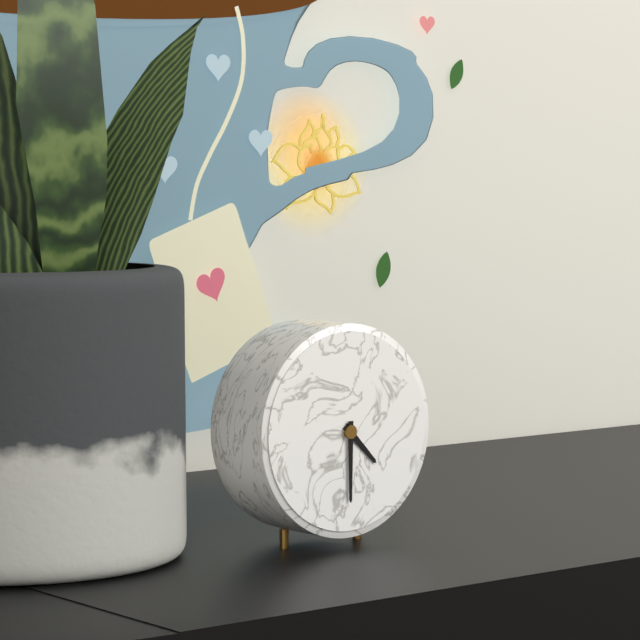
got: h=4 m=30
